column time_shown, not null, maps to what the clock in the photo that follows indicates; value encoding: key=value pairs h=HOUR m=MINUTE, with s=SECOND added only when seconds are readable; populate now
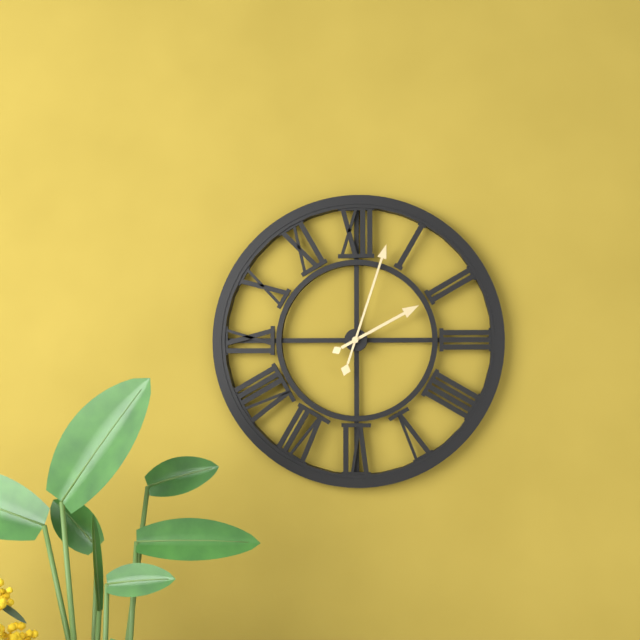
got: h=2 m=3
